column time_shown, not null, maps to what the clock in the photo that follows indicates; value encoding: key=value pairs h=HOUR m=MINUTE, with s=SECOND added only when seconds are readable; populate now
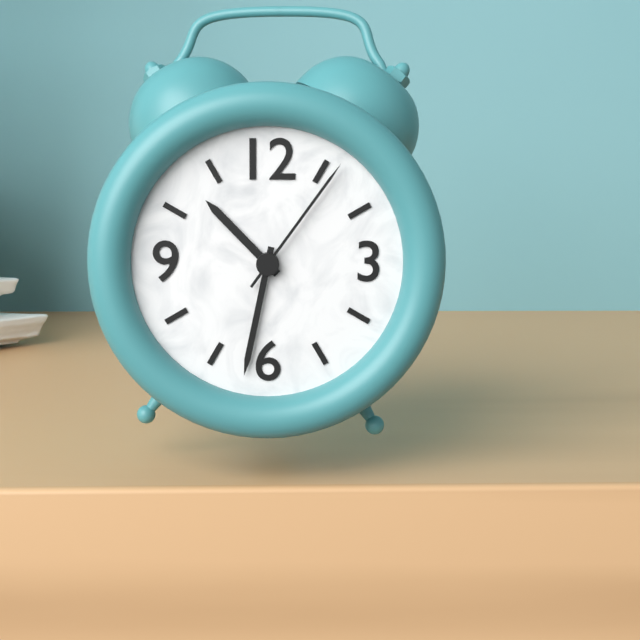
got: h=10 m=32 s=6
